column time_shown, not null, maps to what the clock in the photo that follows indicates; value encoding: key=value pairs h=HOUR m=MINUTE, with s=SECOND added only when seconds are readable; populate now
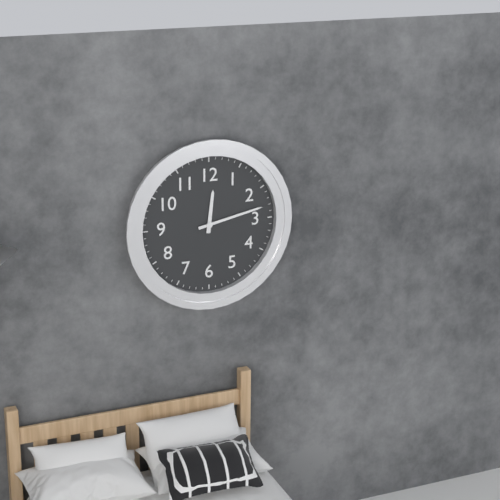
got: h=12 m=13
